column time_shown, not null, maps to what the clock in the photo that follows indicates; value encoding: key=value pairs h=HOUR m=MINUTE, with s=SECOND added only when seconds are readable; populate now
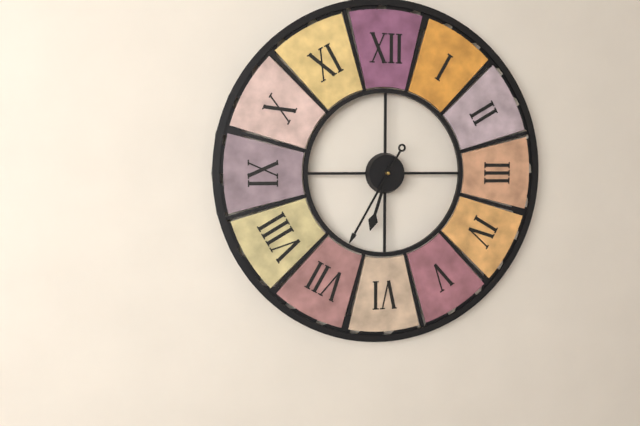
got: h=6 m=35
